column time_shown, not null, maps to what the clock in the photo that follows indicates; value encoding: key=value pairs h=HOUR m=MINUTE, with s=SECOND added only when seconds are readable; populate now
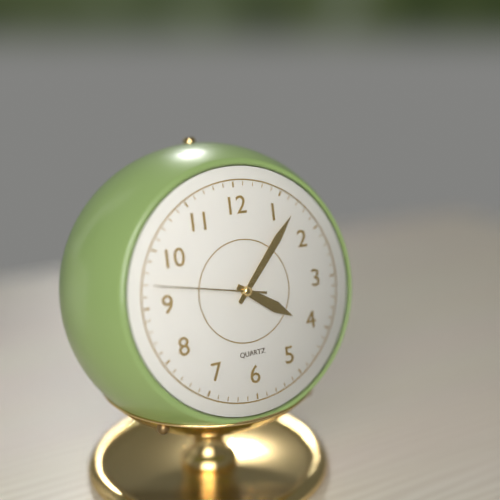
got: h=4 m=7 s=47
